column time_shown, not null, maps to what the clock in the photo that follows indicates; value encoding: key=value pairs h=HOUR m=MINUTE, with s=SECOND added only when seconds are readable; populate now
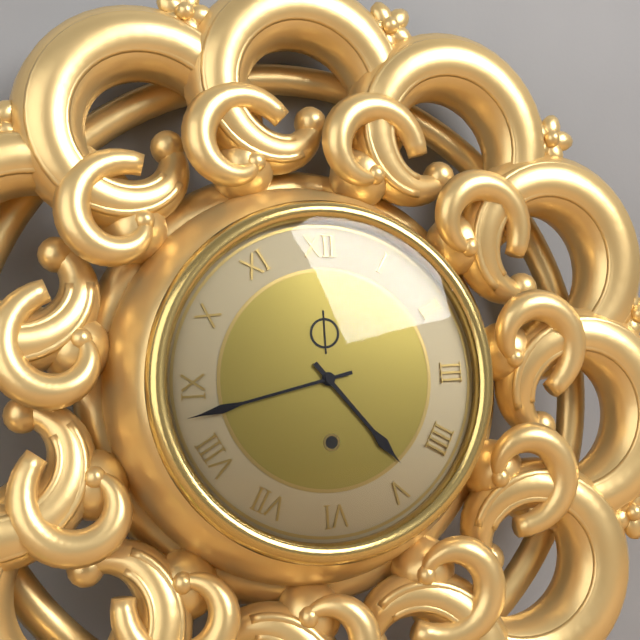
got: h=4 m=43
